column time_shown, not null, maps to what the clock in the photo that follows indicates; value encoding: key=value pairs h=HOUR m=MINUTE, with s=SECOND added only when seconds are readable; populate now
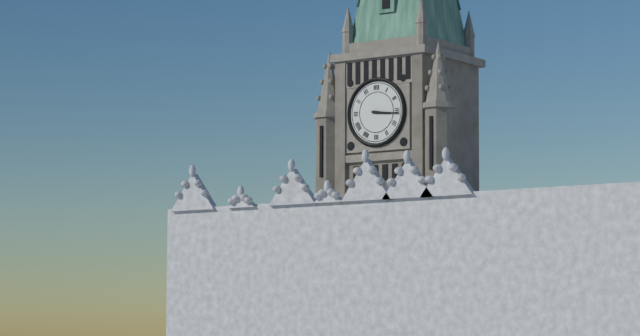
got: h=3 m=16
